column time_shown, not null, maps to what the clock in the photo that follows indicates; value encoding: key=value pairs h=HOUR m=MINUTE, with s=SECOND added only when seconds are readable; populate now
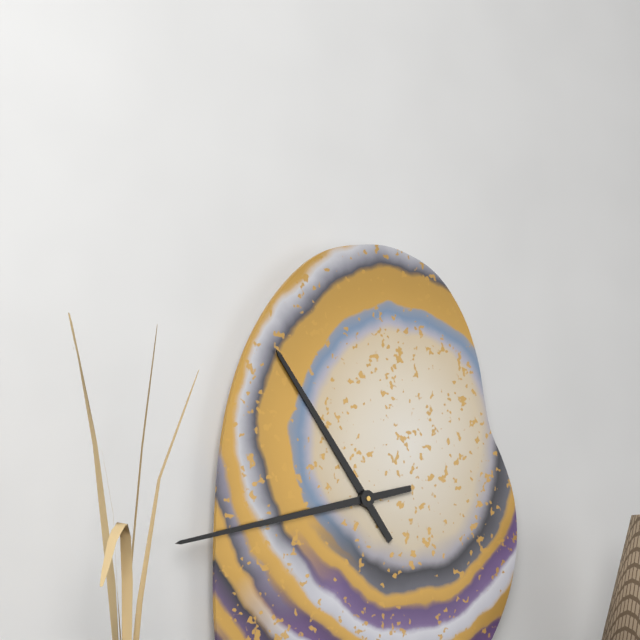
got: h=10 m=43
